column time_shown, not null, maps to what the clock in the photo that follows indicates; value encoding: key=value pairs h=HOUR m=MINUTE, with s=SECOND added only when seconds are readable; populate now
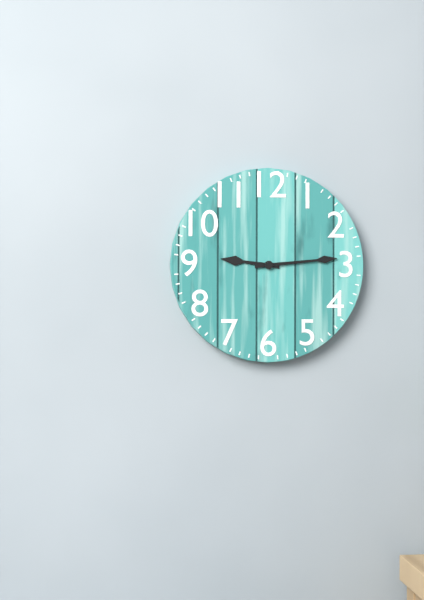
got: h=9 m=14
